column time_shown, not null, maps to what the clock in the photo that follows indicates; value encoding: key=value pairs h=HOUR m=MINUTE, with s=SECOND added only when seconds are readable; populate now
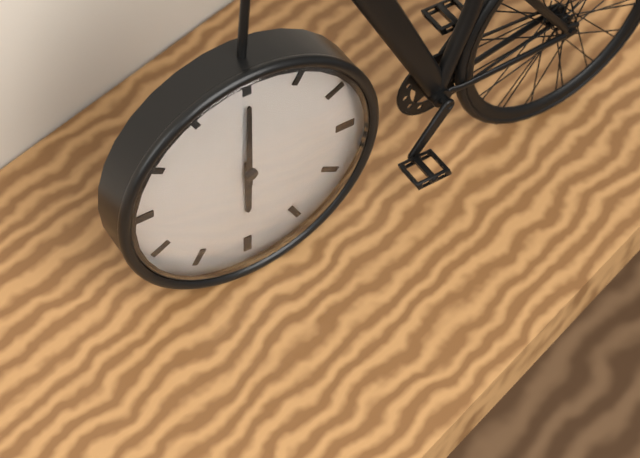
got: h=6 m=0
